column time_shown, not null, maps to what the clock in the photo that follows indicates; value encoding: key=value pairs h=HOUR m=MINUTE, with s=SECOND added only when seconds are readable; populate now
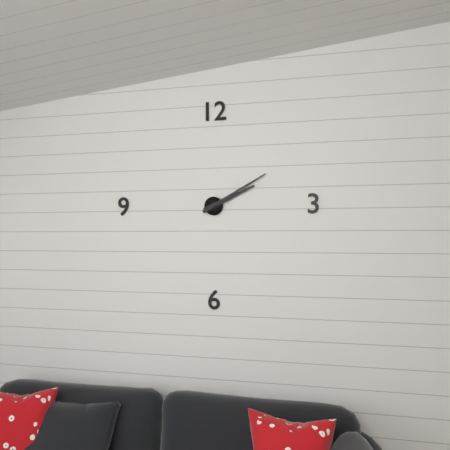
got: h=2 m=10
